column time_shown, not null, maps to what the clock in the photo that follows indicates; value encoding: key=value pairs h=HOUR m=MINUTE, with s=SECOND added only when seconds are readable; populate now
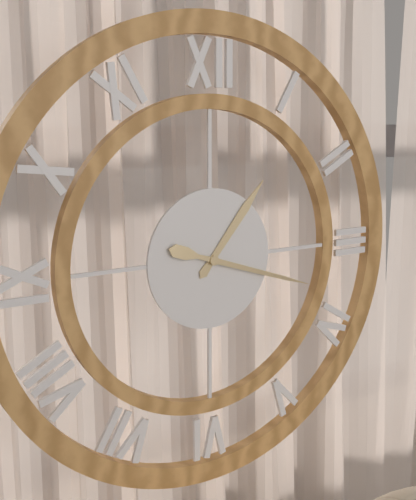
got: h=1 m=18
